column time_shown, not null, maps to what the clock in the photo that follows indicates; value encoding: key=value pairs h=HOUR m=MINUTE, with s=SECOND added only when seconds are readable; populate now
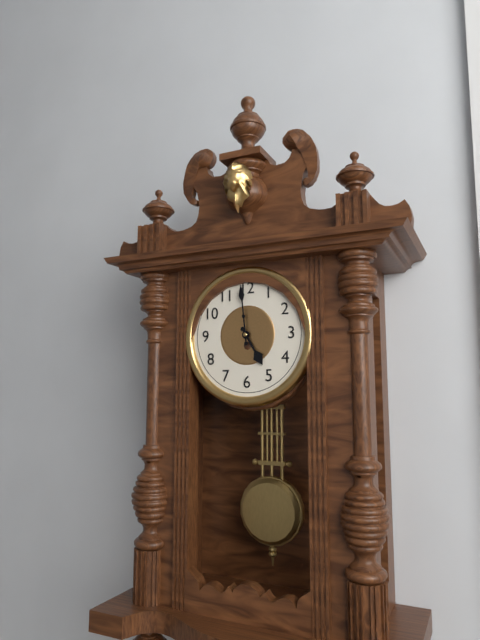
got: h=4 m=59
